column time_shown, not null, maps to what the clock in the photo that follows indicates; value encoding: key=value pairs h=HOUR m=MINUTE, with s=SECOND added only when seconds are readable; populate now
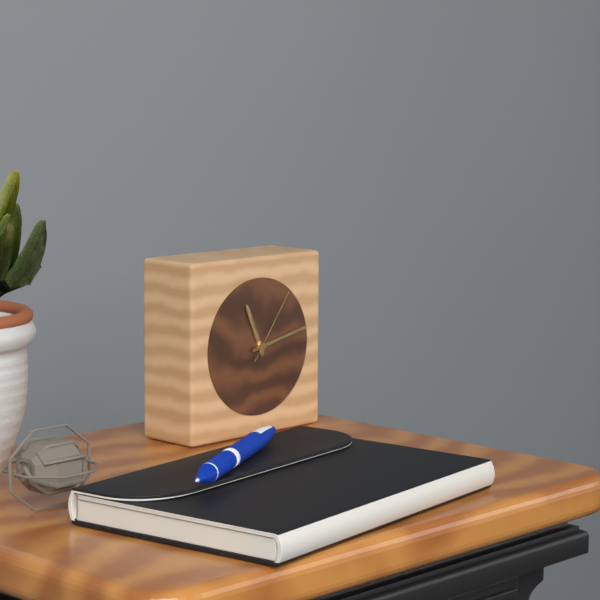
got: h=11 m=13 s=6
